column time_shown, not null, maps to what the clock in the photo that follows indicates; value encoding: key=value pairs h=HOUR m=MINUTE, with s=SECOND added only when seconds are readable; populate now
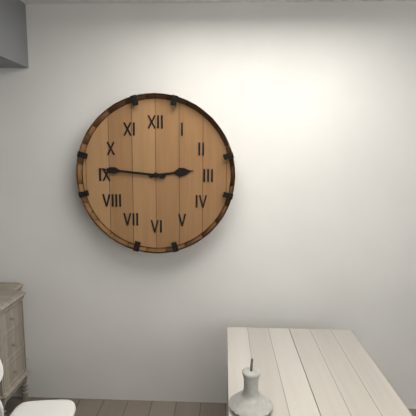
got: h=2 m=46
